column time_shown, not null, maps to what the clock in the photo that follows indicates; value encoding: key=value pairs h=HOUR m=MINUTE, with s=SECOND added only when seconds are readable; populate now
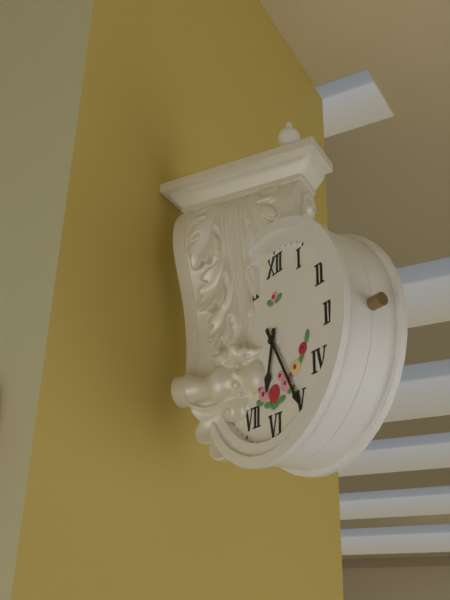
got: h=6 m=25
